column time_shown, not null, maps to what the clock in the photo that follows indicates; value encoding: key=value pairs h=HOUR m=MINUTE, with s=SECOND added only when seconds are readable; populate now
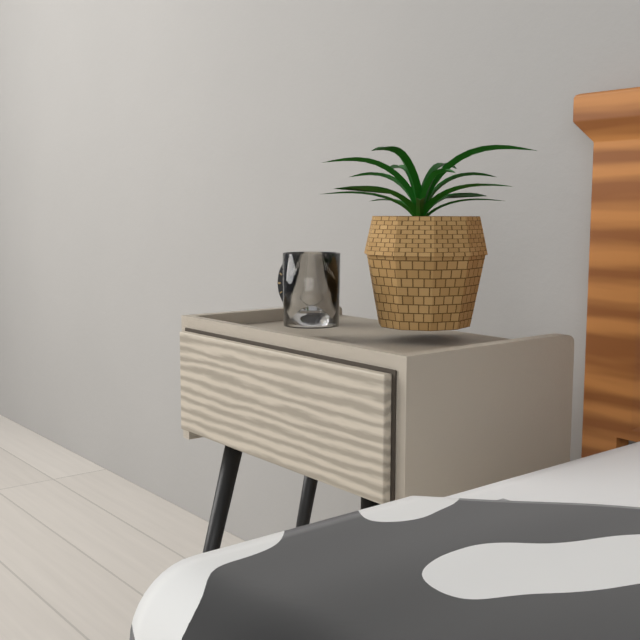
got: h=10 m=54
